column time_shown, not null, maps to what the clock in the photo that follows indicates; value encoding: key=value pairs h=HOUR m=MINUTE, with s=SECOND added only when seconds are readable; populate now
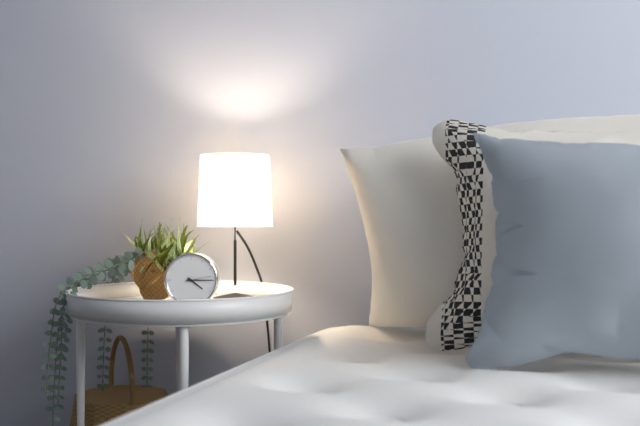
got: h=4 m=15
